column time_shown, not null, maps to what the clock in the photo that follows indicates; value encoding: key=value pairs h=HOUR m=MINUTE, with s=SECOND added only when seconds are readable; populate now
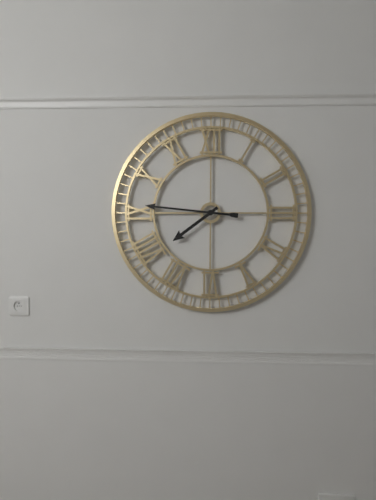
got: h=7 m=46
